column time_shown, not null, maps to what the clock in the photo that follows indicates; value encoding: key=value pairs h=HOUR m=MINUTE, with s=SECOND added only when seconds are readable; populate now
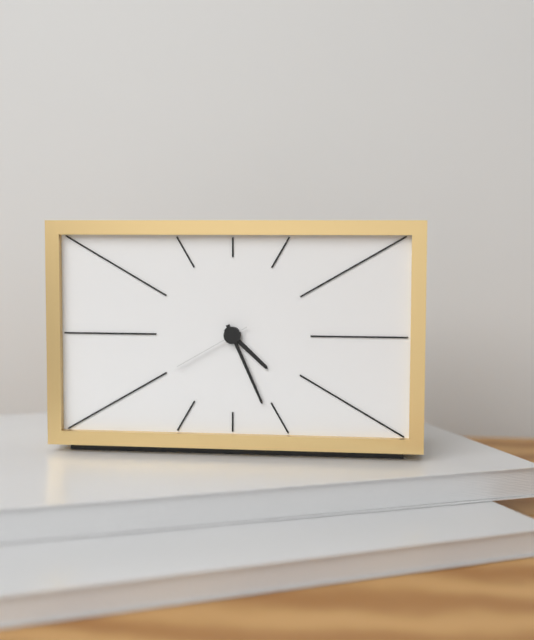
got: h=4 m=26 s=40
